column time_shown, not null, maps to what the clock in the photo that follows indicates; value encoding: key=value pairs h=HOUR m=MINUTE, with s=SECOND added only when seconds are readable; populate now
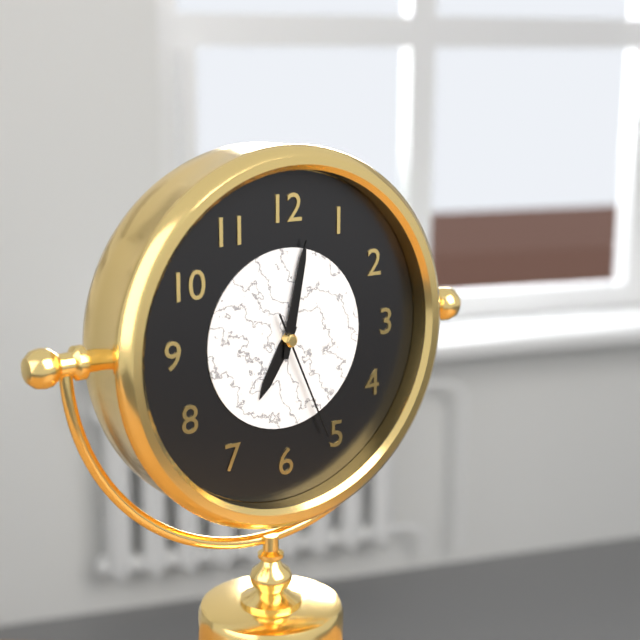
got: h=7 m=2 s=26
